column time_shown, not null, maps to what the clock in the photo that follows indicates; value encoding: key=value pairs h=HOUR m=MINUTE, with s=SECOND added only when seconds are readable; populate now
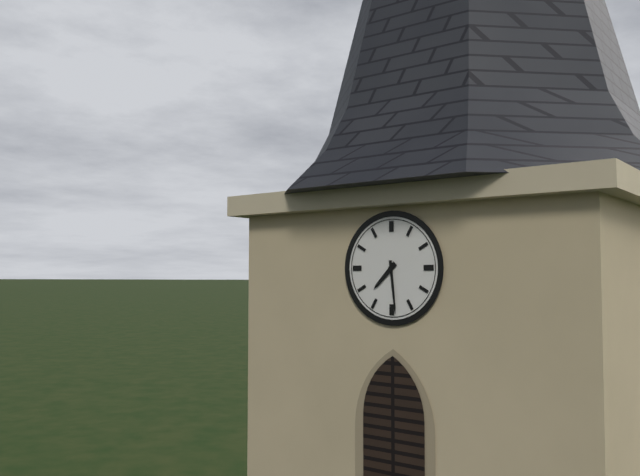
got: h=7 m=29
